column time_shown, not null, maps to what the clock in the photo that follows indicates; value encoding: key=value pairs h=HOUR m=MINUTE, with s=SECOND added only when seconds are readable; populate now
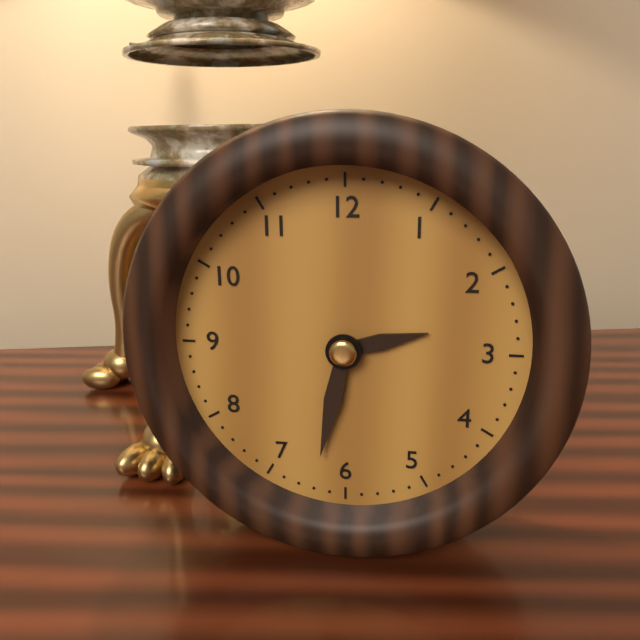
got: h=2 m=32
